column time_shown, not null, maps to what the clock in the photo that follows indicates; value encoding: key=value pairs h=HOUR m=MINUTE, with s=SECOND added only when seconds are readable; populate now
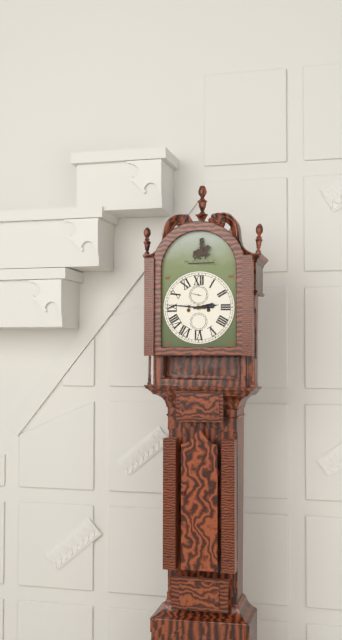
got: h=2 m=46
